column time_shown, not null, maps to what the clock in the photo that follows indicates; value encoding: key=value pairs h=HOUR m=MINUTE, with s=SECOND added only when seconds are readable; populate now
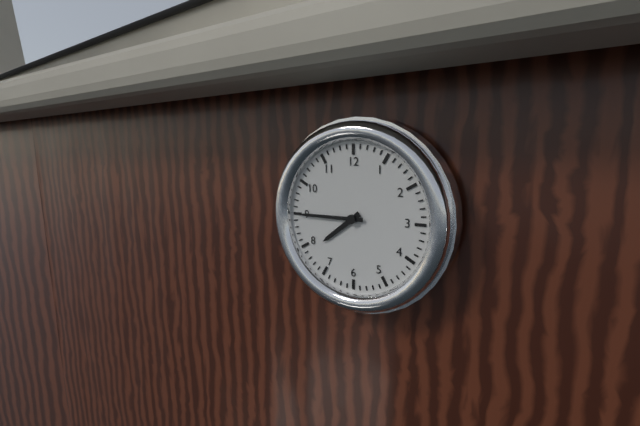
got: h=7 m=45
